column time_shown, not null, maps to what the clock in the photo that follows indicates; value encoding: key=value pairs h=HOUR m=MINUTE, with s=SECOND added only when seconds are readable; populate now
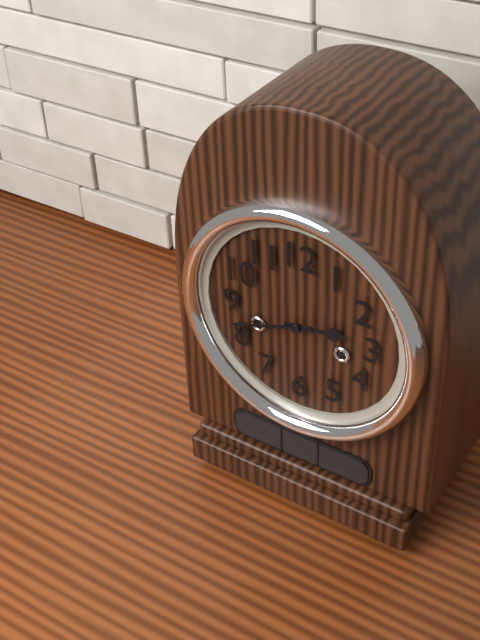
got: h=2 m=42
